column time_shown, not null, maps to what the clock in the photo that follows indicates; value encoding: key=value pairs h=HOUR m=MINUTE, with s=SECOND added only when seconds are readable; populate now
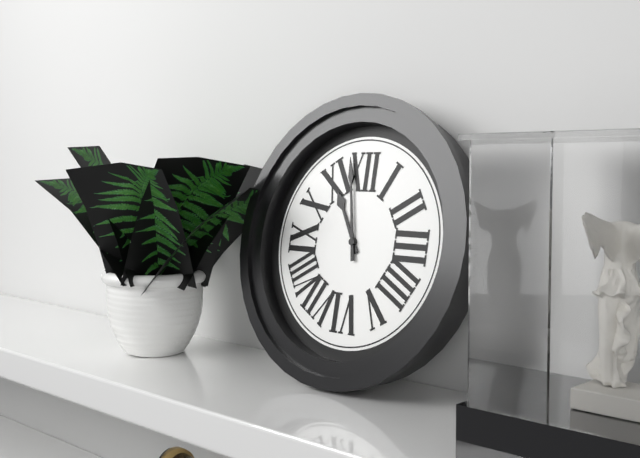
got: h=10 m=58
